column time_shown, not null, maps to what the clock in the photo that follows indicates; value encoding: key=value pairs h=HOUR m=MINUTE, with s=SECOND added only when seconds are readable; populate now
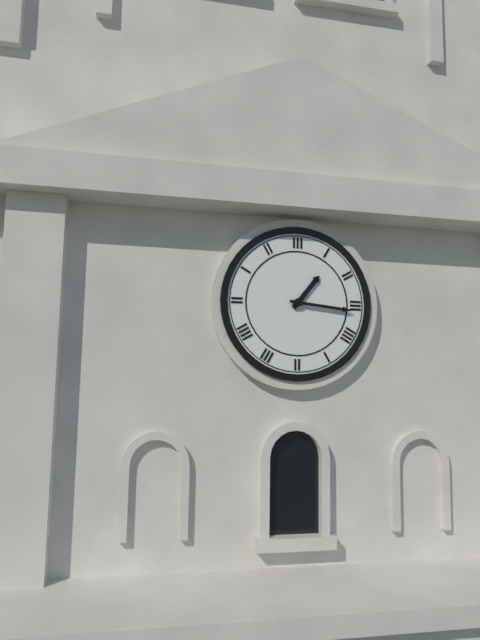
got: h=1 m=16
